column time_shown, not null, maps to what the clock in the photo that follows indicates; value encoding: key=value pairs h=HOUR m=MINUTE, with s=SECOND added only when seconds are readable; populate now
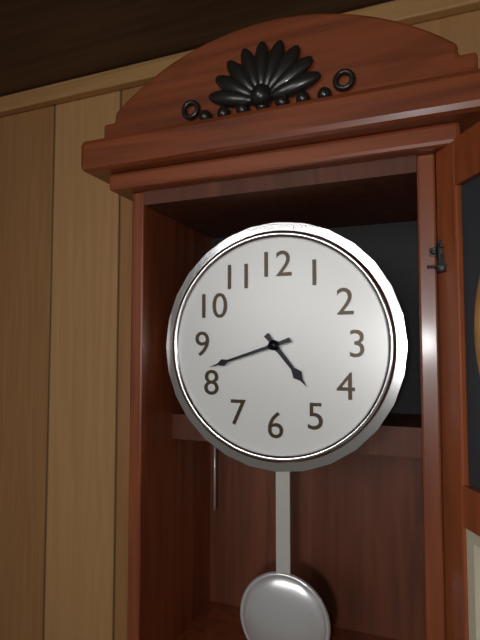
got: h=4 m=42
